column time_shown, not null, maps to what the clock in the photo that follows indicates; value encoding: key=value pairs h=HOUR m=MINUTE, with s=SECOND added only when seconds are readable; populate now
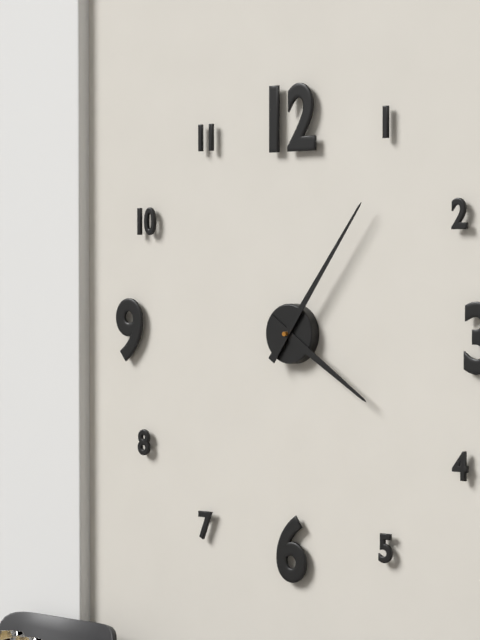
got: h=4 m=6
